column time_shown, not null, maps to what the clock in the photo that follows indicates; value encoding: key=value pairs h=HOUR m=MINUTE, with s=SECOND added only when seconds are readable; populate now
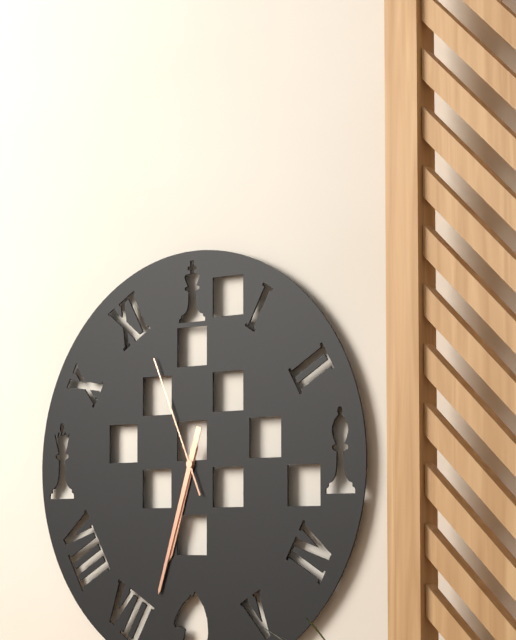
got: h=6 m=33 s=56
